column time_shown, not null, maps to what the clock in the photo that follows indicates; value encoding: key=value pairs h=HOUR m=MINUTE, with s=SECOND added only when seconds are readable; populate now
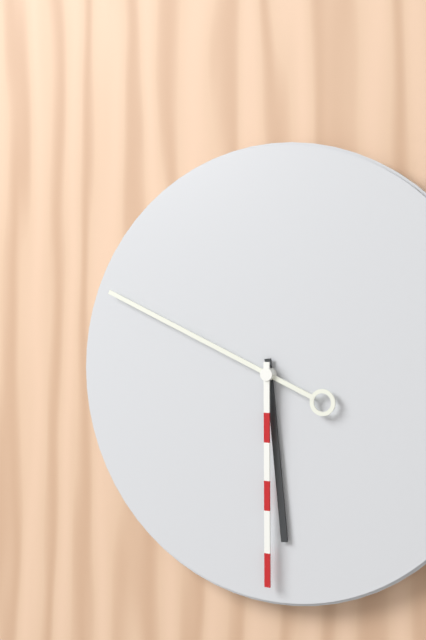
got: h=5 m=49 s=30
